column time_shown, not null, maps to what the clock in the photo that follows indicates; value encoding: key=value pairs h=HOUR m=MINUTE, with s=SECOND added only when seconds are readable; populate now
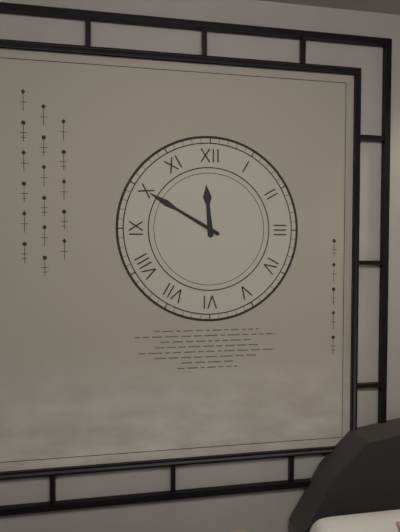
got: h=11 m=50
